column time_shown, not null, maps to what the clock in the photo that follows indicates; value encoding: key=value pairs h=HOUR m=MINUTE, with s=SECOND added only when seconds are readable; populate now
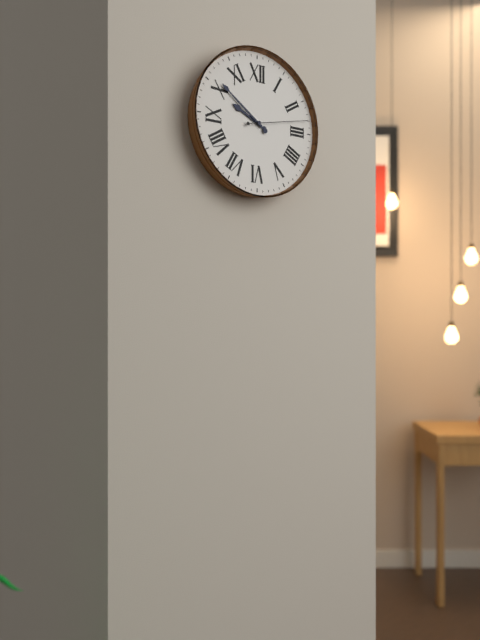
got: h=9 m=51 s=13
